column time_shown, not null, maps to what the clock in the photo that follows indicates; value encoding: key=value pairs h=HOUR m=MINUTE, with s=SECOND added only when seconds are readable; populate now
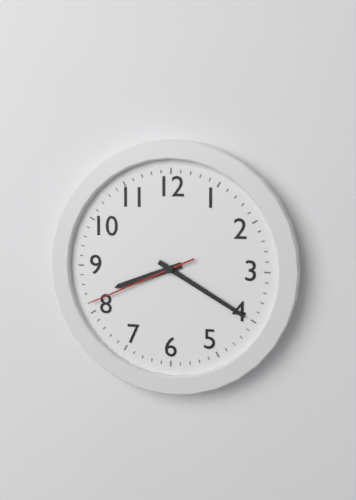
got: h=8 m=20 s=41
